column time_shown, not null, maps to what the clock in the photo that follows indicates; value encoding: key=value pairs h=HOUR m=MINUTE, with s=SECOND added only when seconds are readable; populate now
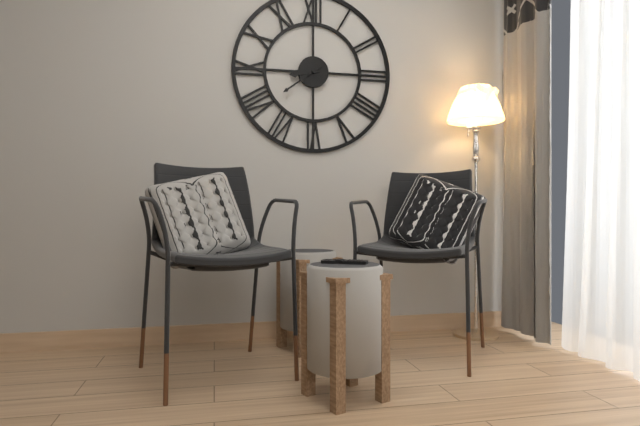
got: h=8 m=39
